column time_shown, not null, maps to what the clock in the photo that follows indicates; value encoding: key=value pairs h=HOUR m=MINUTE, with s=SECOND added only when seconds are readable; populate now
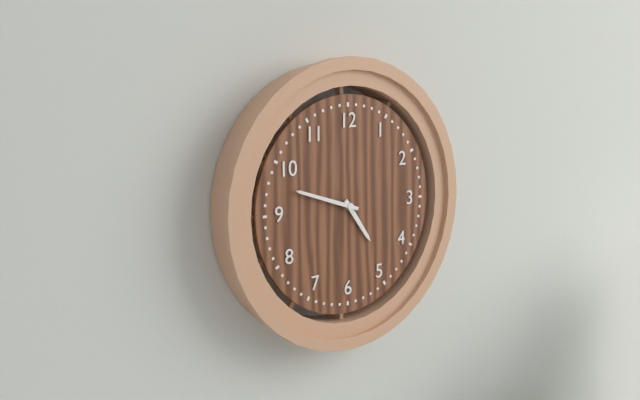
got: h=4 m=48
